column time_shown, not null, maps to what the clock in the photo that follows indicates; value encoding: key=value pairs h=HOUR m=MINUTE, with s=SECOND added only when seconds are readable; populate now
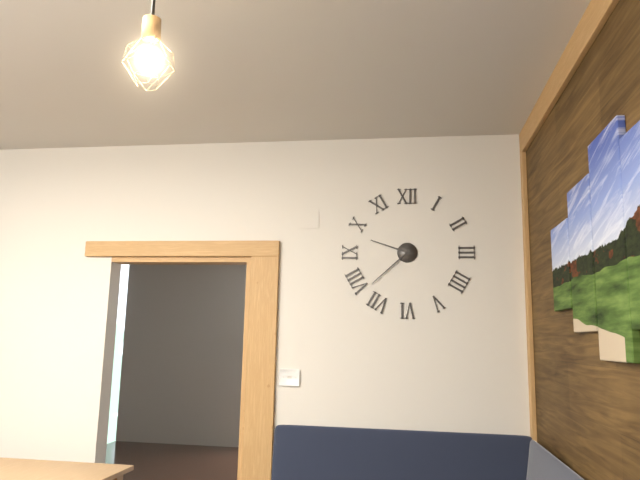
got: h=9 m=38
